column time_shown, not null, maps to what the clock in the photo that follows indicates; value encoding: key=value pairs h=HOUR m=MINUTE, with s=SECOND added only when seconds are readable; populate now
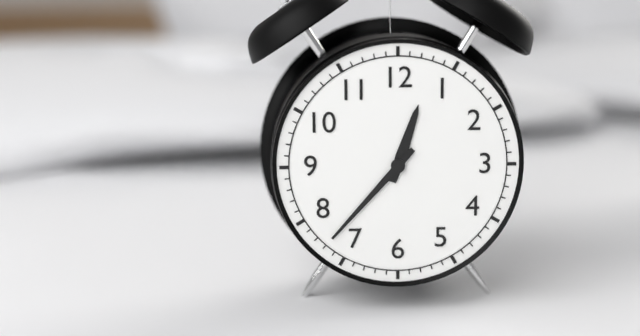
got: h=12 m=37
